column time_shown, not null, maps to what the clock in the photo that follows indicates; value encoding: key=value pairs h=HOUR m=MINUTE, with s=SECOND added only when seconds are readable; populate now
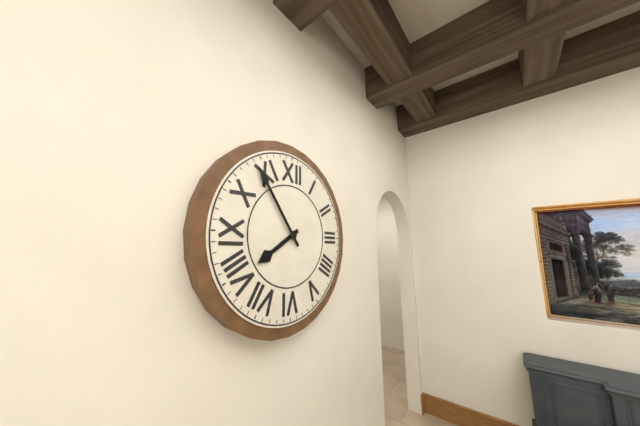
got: h=7 m=54
